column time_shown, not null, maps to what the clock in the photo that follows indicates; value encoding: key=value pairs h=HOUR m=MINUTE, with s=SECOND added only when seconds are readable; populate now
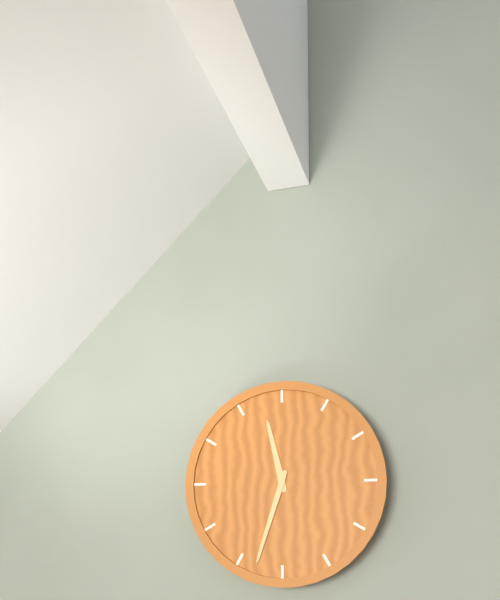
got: h=11 m=33
